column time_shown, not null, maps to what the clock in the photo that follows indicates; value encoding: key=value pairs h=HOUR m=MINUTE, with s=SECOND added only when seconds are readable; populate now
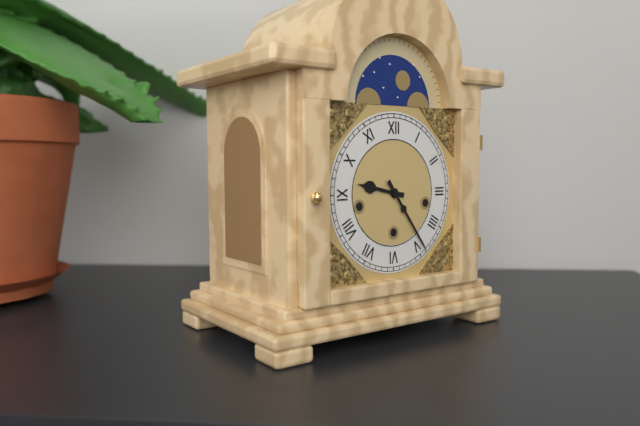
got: h=9 m=24
